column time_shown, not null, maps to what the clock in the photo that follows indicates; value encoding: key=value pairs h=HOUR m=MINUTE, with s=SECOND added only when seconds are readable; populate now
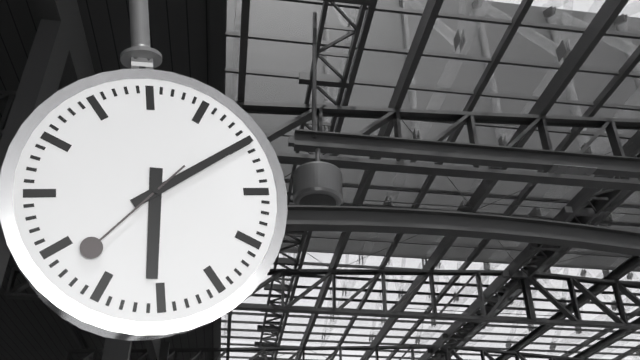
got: h=6 m=10 s=38
